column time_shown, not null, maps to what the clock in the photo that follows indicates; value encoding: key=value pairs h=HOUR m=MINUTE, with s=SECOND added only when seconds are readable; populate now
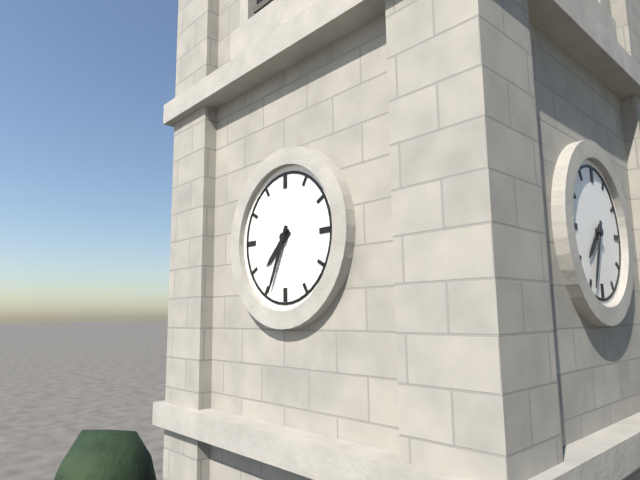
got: h=7 m=34
